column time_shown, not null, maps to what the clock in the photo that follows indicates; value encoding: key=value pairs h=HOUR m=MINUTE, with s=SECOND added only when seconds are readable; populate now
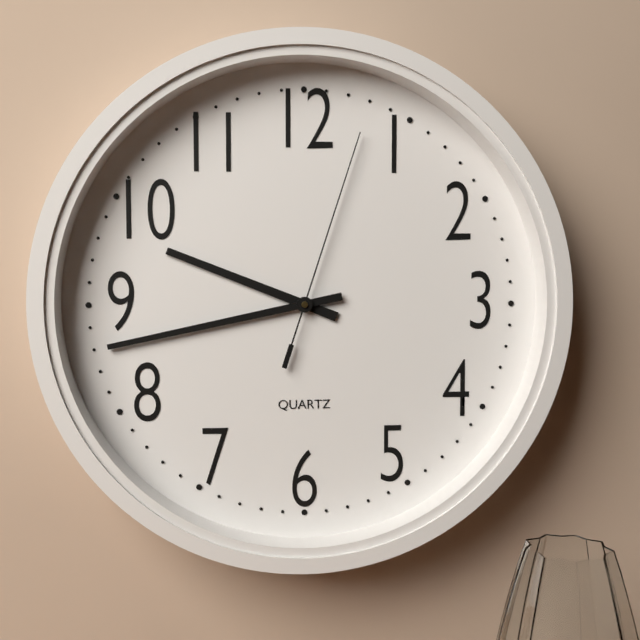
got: h=9 m=43 s=3
